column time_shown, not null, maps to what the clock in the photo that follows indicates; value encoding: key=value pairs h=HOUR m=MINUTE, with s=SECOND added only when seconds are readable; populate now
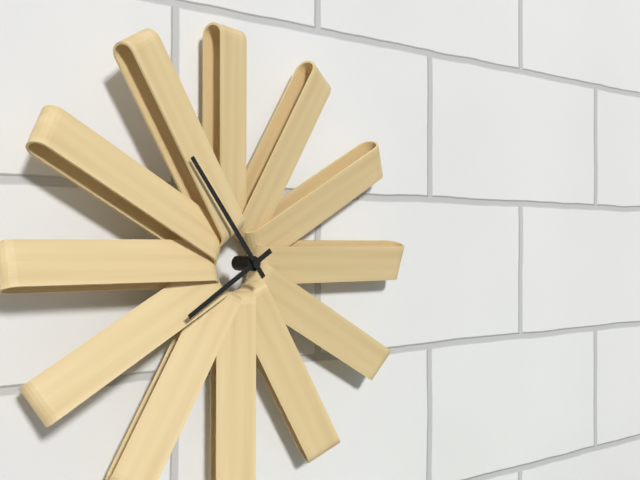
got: h=7 m=54
